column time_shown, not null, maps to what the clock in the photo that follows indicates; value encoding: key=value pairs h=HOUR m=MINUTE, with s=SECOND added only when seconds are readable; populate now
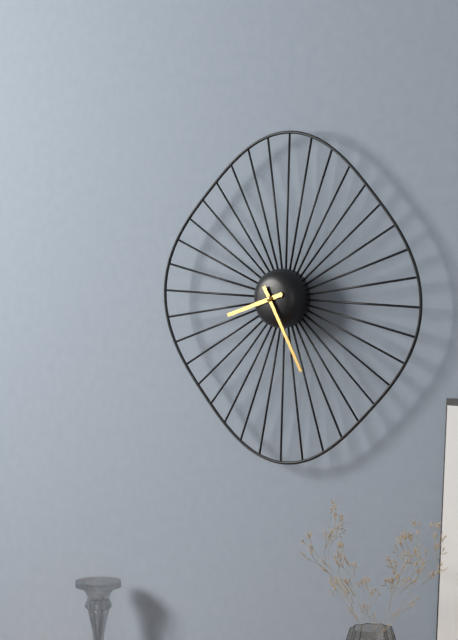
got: h=8 m=25
